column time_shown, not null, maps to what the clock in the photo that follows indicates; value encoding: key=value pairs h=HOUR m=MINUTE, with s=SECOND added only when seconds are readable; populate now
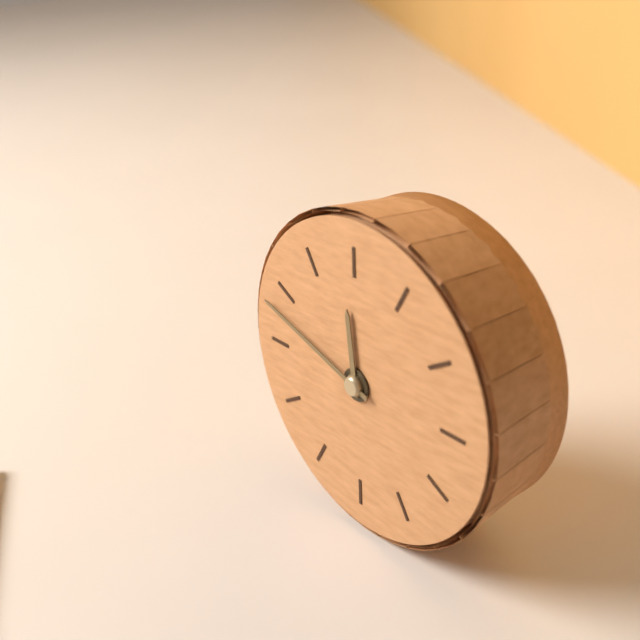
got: h=11 m=48
